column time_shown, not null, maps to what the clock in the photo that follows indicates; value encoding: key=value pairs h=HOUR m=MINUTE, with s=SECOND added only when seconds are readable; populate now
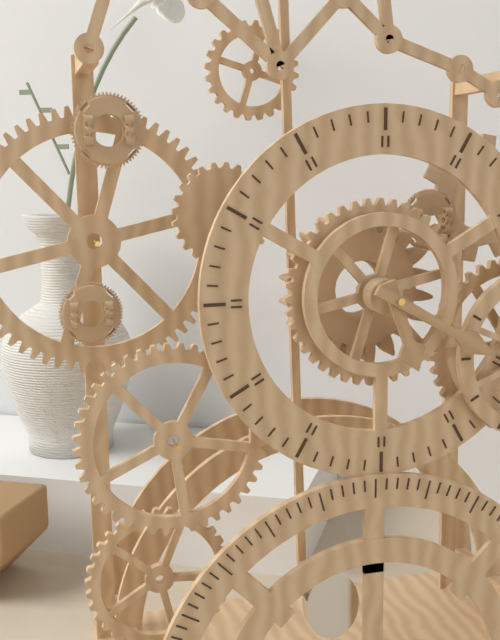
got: h=5 m=20
